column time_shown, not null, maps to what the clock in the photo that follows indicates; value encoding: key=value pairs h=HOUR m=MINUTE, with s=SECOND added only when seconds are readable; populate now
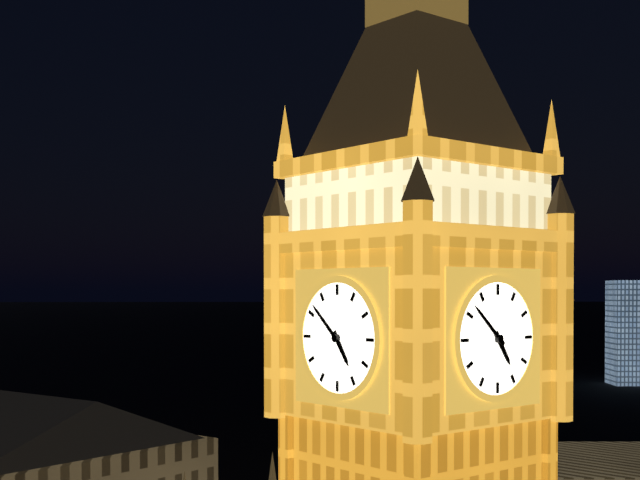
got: h=4 m=52
